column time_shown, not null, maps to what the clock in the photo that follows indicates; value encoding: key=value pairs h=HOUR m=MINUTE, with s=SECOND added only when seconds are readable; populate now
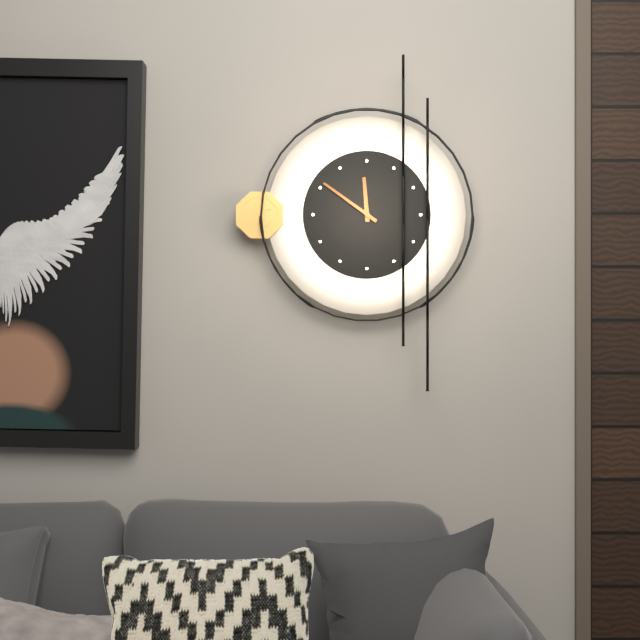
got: h=11 m=51
